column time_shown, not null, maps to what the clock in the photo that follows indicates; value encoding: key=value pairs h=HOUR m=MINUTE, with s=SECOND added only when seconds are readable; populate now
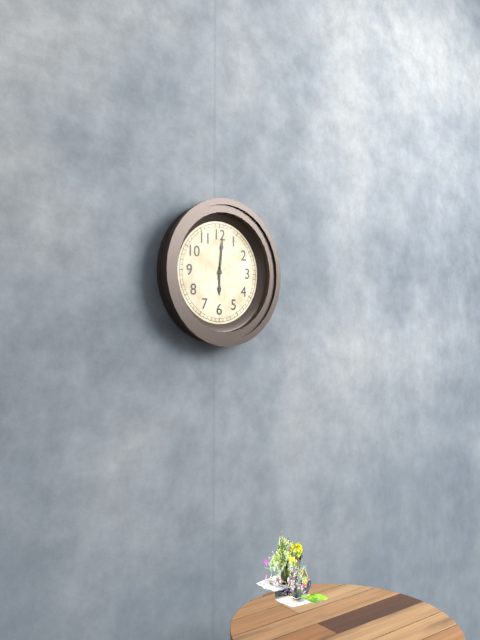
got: h=6 m=1
